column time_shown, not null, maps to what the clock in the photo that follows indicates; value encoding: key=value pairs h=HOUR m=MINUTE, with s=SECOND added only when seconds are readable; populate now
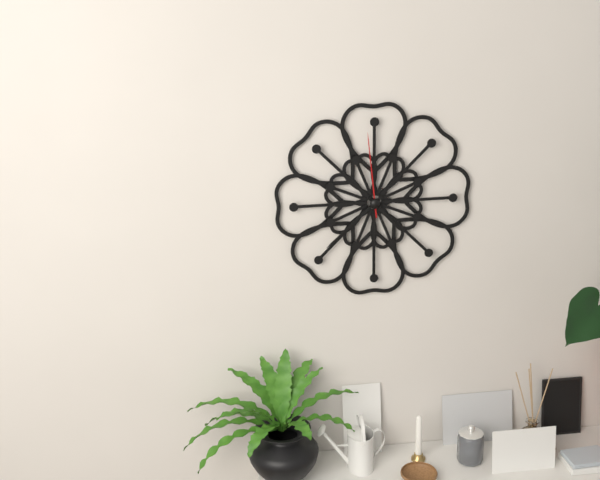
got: h=4 m=38 s=59
